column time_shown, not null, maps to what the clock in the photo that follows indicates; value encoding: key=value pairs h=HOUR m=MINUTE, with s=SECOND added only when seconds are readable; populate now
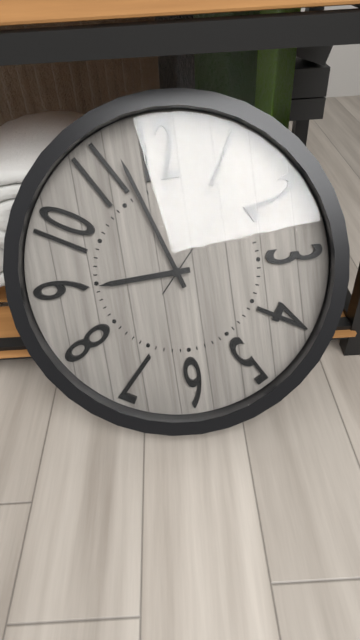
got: h=8 m=57 s=7
